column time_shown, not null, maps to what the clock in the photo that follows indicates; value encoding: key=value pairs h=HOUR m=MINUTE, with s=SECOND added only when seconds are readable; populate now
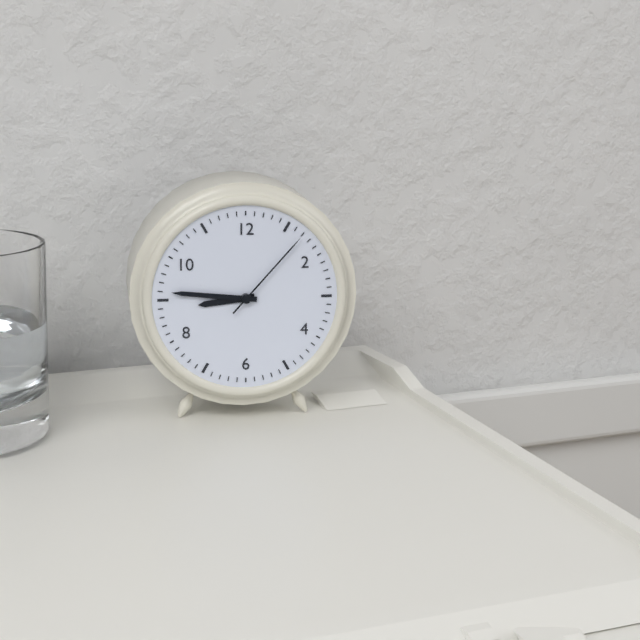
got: h=8 m=46 s=7
